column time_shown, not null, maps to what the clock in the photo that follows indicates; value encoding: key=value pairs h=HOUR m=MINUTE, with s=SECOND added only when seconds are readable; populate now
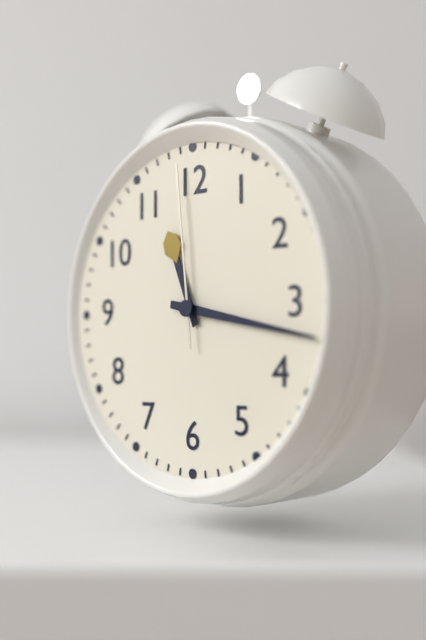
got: h=11 m=17 s=59
